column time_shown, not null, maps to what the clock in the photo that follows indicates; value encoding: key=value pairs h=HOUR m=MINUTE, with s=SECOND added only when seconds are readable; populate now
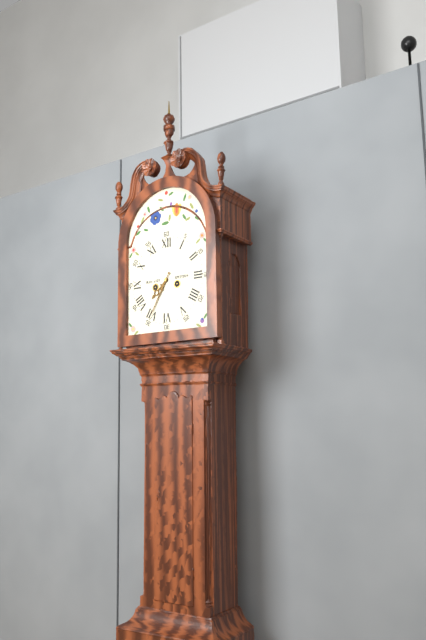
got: h=7 m=35
